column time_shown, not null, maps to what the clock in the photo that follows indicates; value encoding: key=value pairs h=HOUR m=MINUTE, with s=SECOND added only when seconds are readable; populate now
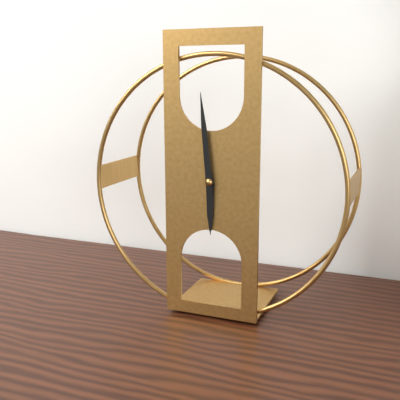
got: h=5 m=59
